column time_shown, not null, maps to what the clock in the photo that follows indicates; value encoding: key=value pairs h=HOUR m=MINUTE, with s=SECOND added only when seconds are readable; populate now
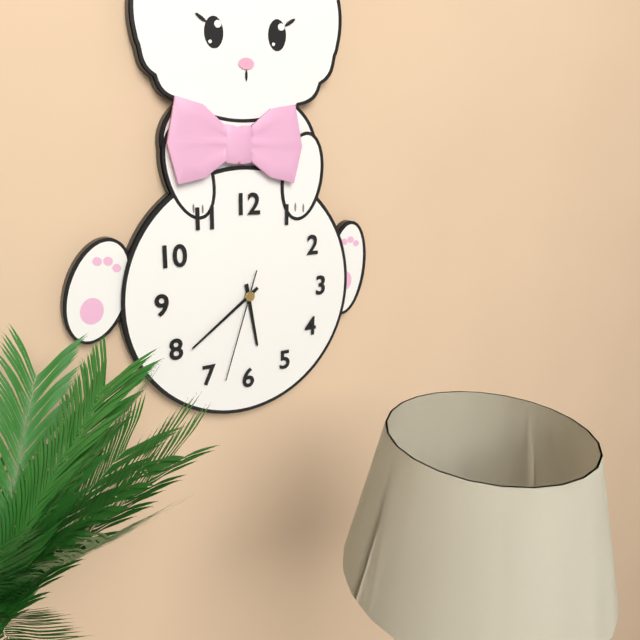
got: h=5 m=39 s=33
